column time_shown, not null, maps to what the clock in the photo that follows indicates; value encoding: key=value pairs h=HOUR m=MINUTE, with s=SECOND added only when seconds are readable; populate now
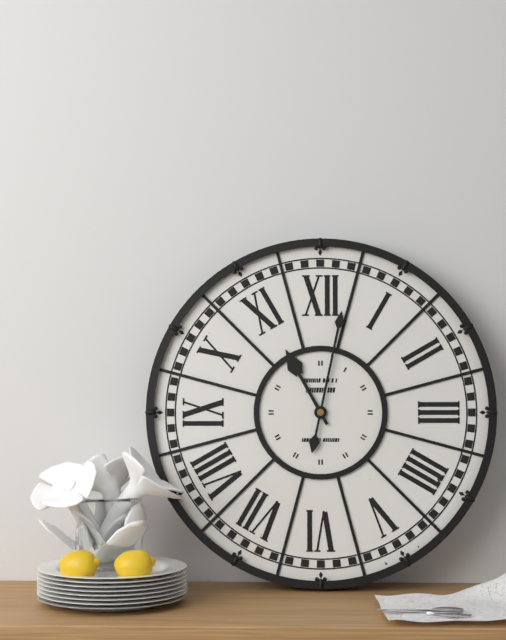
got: h=11 m=2
